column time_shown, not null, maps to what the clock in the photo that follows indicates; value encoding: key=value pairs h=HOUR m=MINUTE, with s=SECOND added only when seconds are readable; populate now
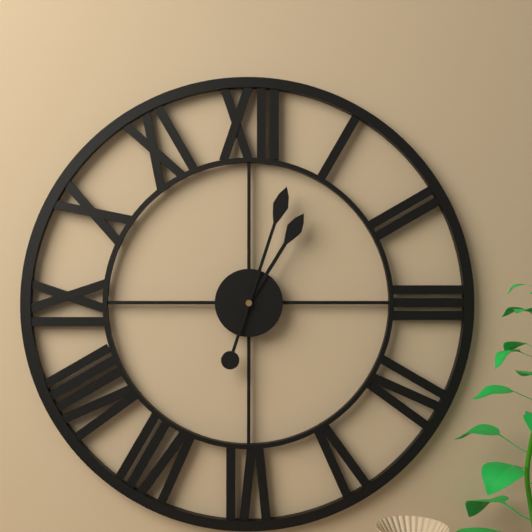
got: h=1 m=3
